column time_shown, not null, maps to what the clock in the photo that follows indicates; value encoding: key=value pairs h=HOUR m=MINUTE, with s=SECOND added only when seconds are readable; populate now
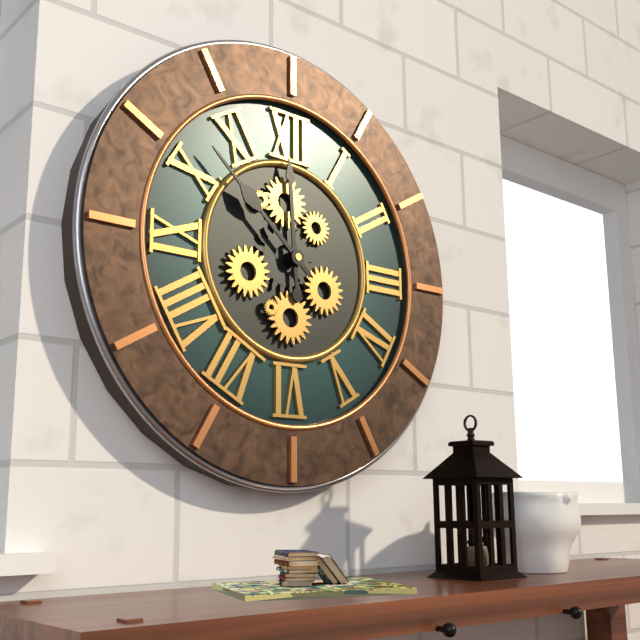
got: h=11 m=52
